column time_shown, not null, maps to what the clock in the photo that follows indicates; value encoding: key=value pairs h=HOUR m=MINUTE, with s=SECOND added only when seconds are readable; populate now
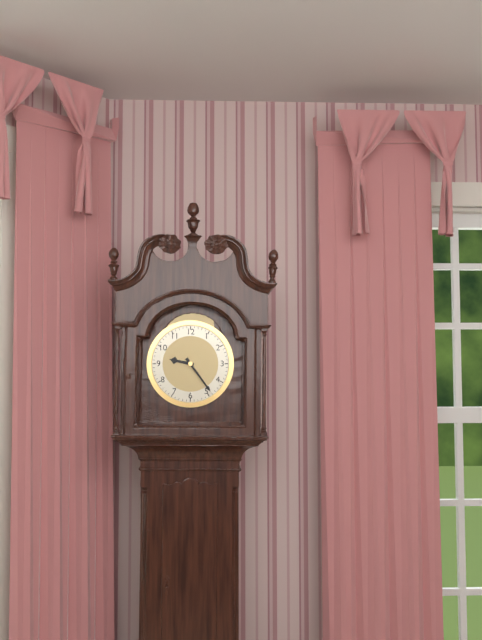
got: h=9 m=24
